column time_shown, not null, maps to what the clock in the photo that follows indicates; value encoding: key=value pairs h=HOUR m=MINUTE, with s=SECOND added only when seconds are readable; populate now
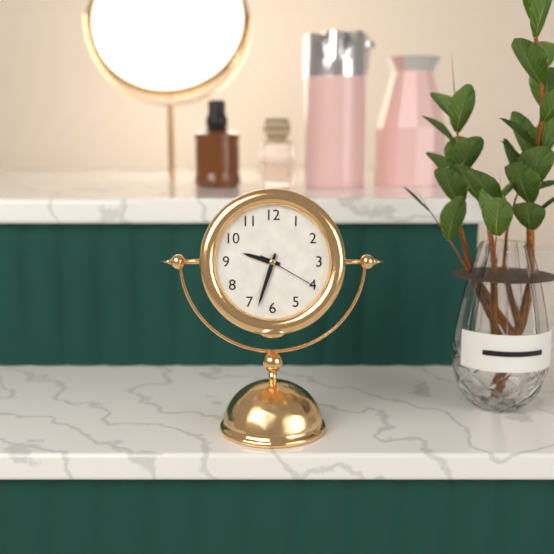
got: h=9 m=33 s=20
